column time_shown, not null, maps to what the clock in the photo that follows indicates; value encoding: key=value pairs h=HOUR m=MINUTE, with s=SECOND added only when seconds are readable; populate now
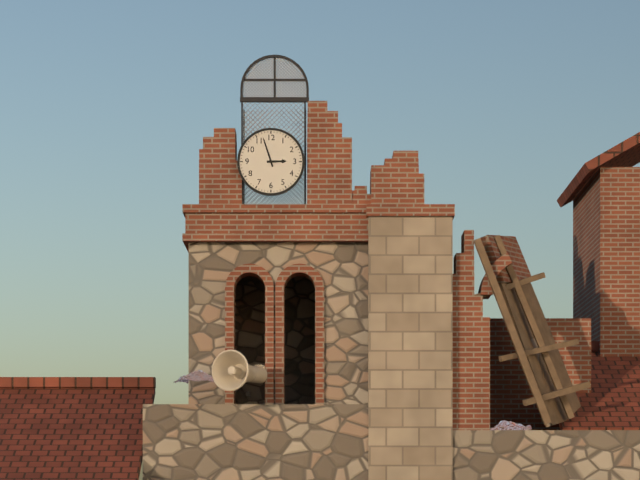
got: h=2 m=57
